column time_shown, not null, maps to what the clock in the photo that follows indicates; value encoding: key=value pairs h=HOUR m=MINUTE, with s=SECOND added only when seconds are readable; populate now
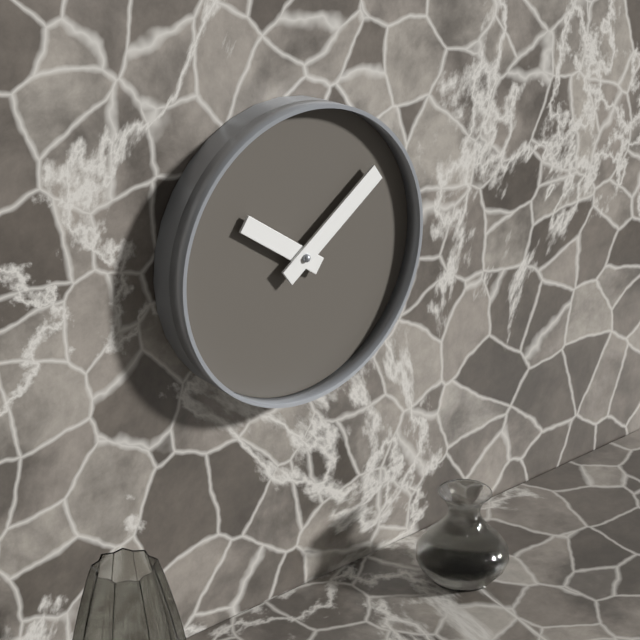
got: h=10 m=9
